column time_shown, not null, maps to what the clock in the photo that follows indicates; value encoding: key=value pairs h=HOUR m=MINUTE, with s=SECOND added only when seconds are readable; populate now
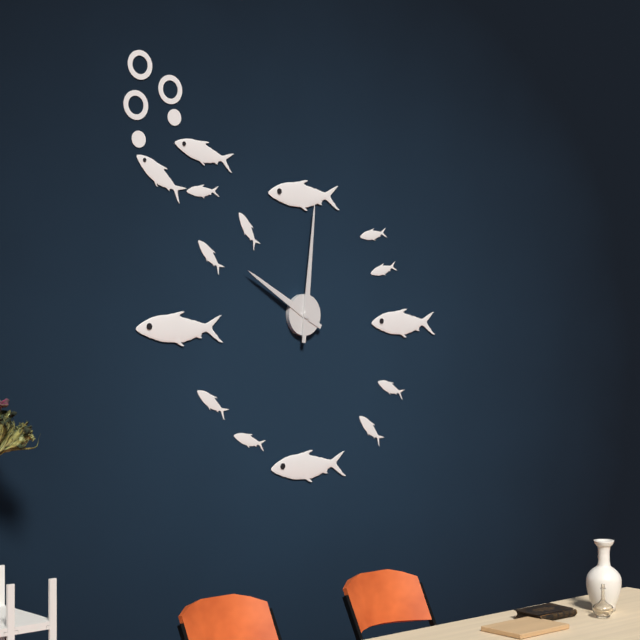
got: h=10 m=1
